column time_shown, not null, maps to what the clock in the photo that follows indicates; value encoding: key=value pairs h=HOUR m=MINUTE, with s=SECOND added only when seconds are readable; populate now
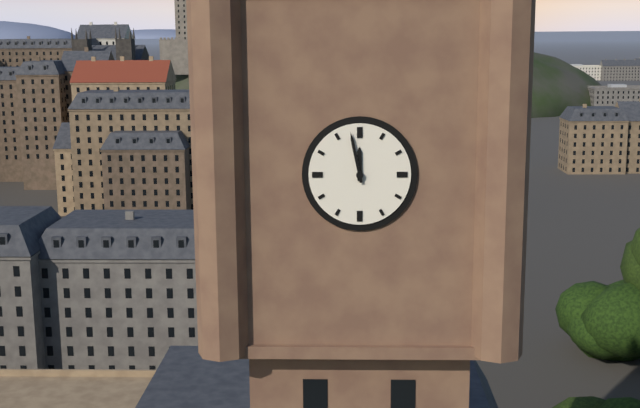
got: h=11 m=58
